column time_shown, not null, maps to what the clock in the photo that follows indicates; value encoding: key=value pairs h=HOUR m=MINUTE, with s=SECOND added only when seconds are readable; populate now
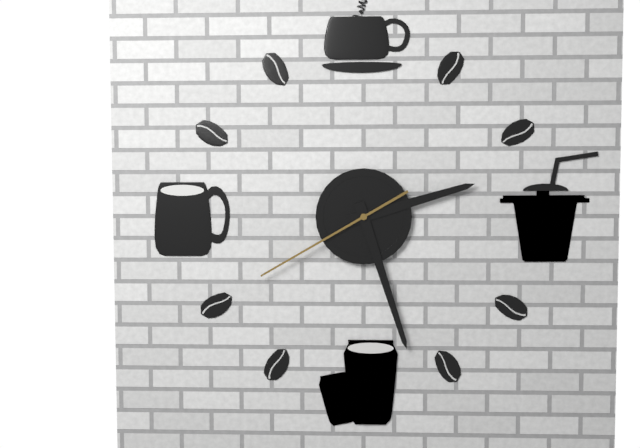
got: h=2 m=27 s=40
